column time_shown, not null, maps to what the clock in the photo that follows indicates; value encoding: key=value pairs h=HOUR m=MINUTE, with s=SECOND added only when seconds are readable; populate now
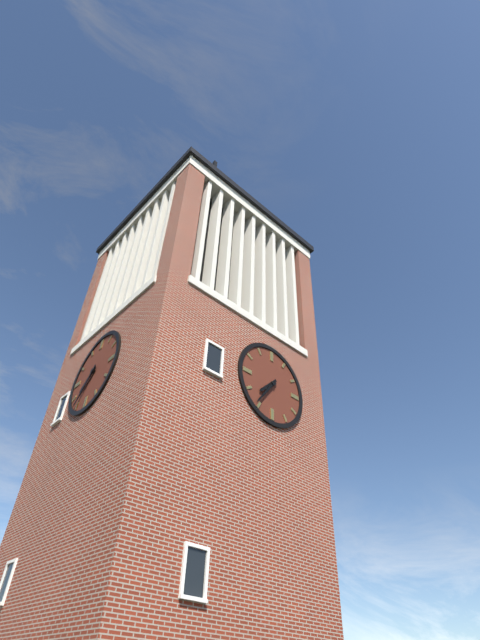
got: h=7 m=36
